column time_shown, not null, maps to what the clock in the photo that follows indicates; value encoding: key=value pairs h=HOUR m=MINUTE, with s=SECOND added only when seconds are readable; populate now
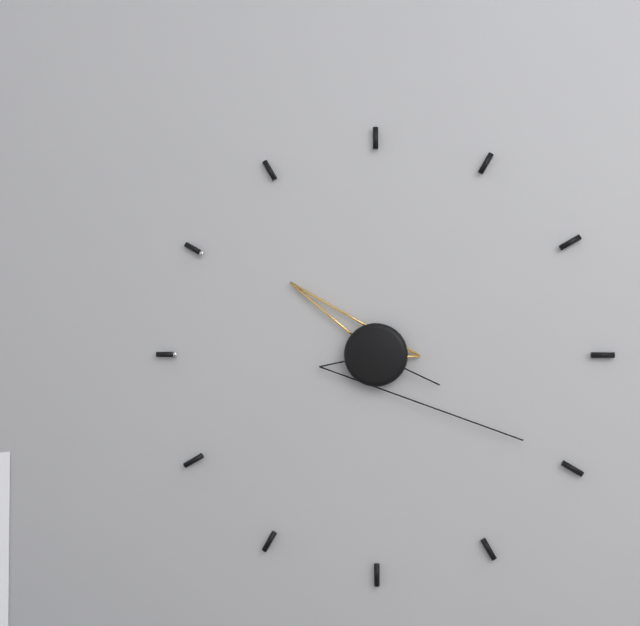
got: h=10 m=20
